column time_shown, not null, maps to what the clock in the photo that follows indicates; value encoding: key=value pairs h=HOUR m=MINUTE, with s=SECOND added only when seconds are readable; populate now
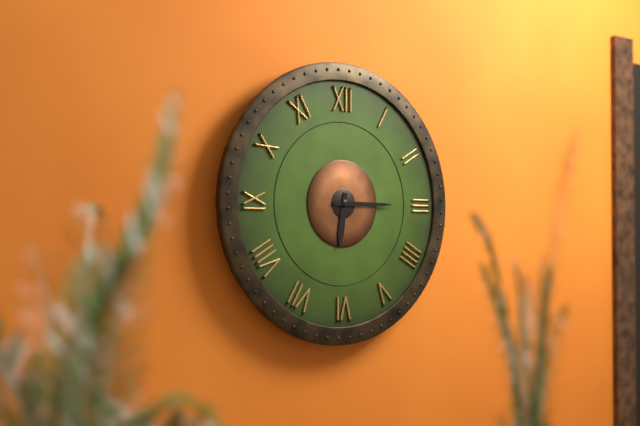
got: h=6 m=15
